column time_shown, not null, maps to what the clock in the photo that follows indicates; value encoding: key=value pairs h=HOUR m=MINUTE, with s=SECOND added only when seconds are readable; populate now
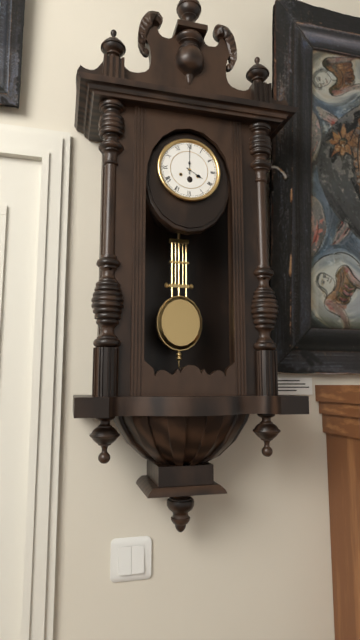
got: h=4 m=0
